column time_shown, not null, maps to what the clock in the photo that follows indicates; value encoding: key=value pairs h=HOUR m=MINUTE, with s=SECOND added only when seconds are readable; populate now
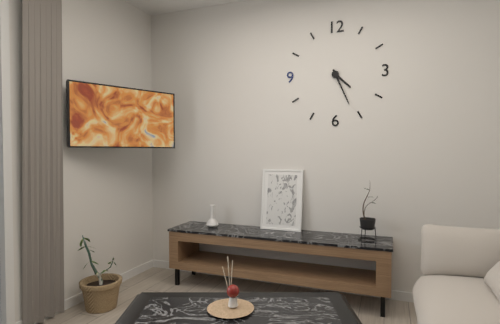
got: h=4 m=26
